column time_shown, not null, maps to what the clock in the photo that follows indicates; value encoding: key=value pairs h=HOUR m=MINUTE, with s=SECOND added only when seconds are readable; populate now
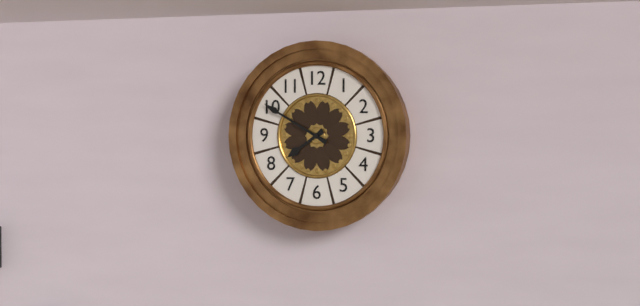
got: h=7 m=50
